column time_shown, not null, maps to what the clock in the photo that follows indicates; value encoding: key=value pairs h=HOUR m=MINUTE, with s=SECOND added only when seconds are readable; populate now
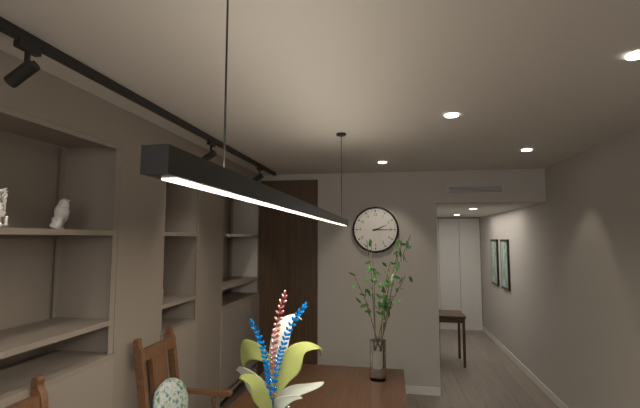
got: h=2 m=15
